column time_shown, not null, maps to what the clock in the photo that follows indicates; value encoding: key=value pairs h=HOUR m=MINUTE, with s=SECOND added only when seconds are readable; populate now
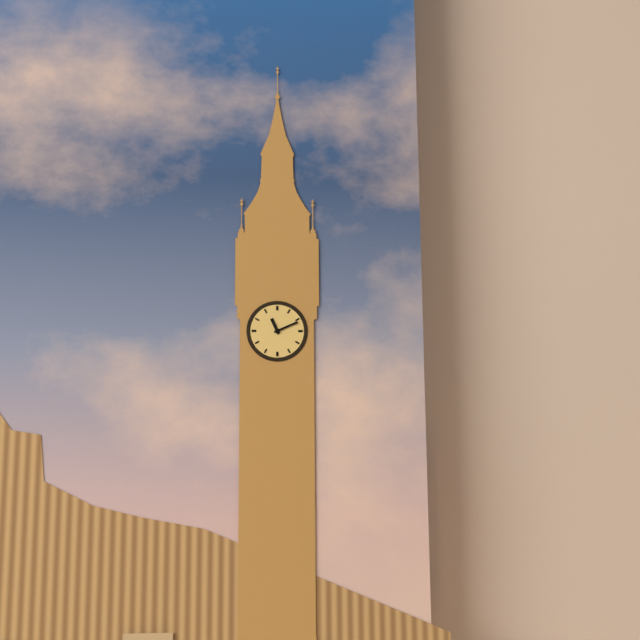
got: h=11 m=11
